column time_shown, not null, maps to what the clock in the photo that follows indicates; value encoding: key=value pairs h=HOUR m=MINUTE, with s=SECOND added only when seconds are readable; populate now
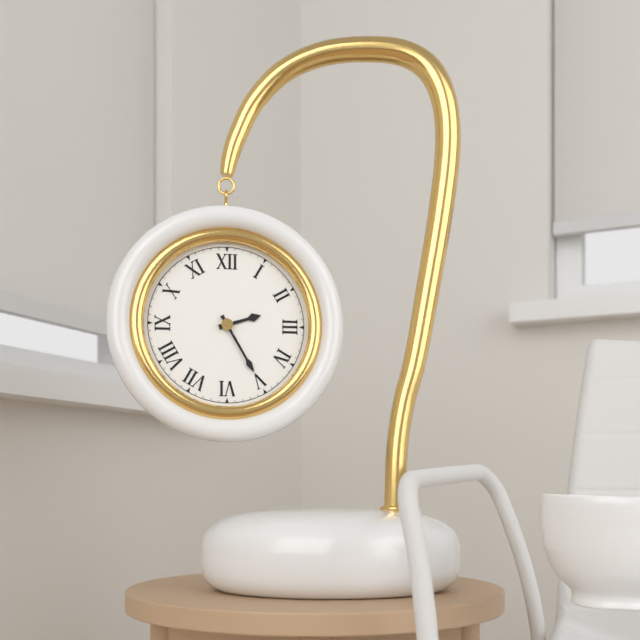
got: h=2 m=25
